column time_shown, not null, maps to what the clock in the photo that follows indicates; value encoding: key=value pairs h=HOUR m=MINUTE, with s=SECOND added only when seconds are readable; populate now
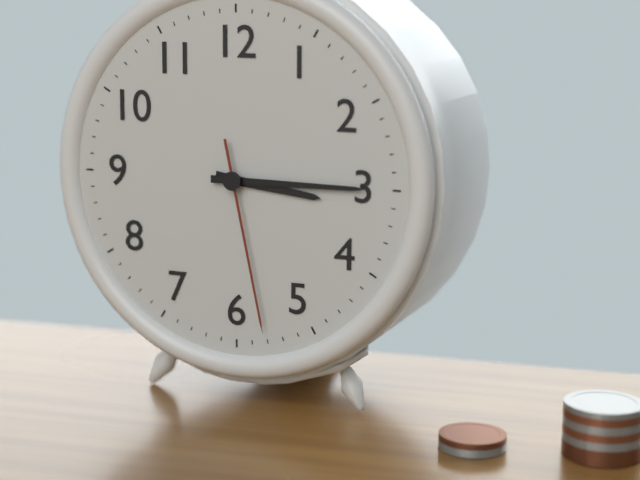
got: h=3 m=15 s=28
